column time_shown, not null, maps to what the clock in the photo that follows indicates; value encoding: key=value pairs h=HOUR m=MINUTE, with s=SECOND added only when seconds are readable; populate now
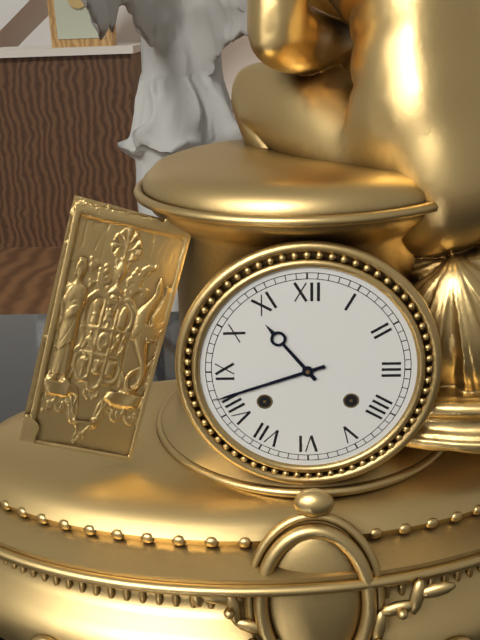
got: h=10 m=42
